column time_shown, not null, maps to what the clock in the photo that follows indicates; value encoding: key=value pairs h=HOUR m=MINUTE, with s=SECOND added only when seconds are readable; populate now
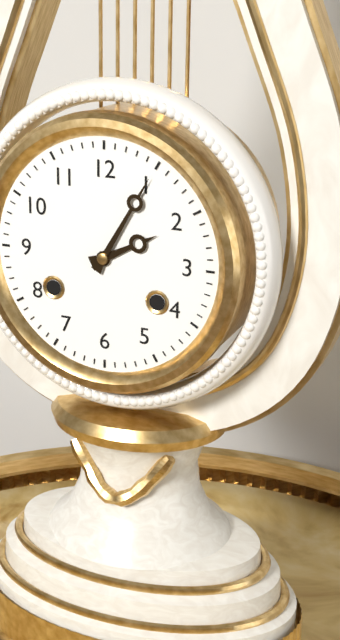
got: h=2 m=5
